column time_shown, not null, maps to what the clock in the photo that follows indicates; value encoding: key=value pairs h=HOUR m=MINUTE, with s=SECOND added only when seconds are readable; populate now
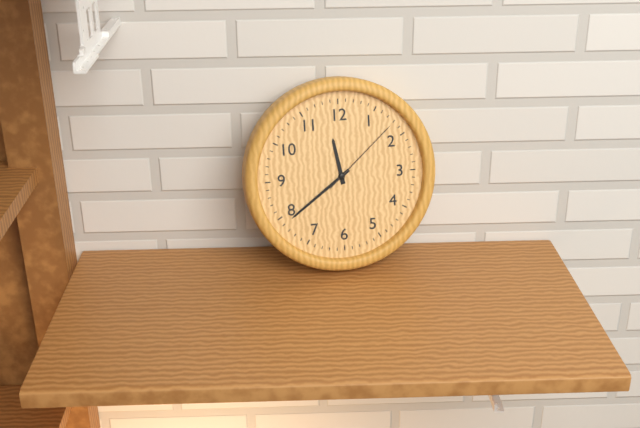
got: h=11 m=39 s=8
